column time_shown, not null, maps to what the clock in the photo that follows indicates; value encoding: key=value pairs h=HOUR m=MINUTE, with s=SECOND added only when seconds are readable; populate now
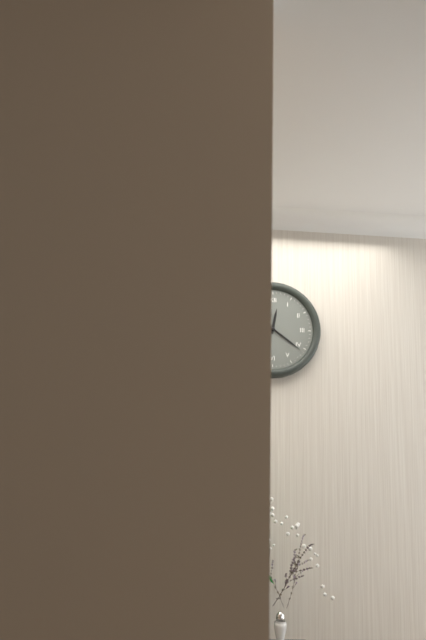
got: h=12 m=21
